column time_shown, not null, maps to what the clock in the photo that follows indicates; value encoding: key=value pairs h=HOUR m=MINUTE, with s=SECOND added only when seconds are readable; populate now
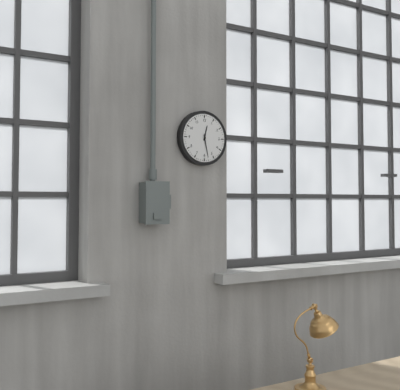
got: h=12 m=28
